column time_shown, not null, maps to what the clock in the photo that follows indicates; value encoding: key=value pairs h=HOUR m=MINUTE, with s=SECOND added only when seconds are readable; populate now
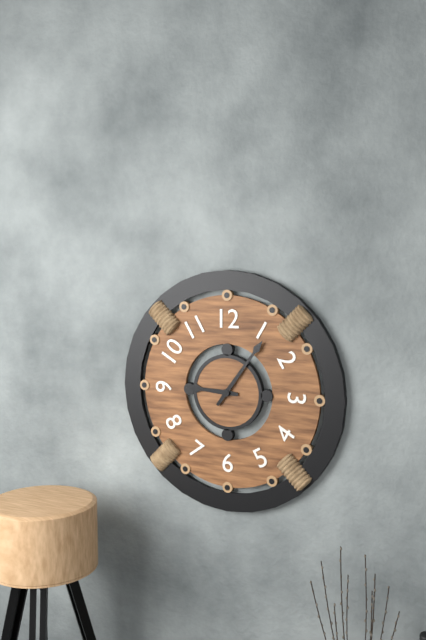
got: h=9 m=6
